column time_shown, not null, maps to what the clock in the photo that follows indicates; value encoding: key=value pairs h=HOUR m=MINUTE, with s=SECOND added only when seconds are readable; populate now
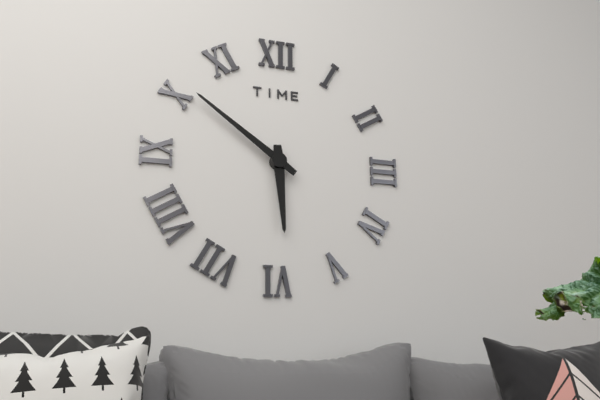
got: h=5 m=51
